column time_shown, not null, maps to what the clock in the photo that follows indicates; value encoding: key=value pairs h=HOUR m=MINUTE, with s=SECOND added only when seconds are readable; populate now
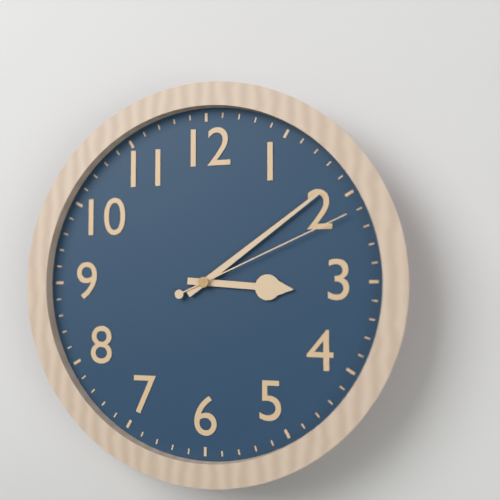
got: h=3 m=9 s=11
